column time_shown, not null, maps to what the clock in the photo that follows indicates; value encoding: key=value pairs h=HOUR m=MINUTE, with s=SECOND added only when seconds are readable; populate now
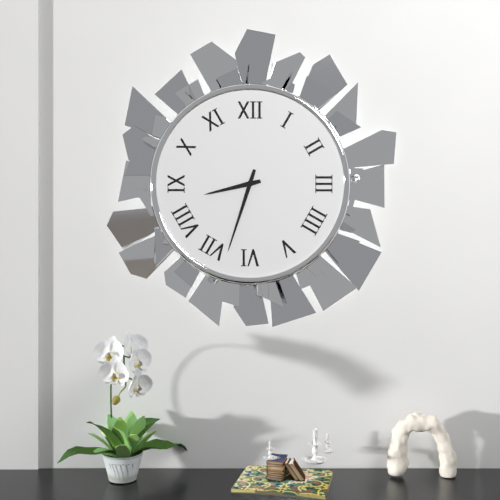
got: h=8 m=33
